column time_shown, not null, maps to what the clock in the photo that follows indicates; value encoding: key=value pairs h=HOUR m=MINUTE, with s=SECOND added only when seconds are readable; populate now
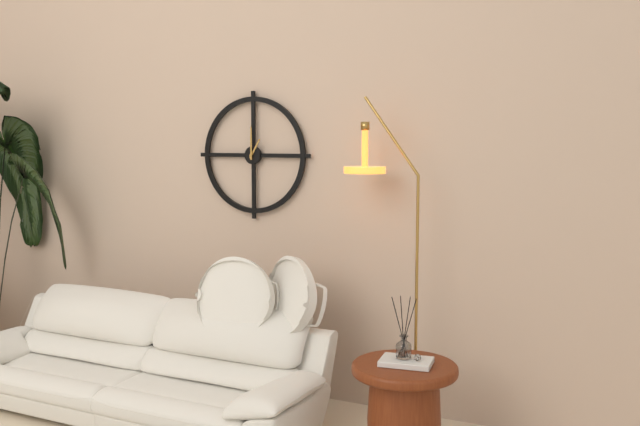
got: h=1 m=0
